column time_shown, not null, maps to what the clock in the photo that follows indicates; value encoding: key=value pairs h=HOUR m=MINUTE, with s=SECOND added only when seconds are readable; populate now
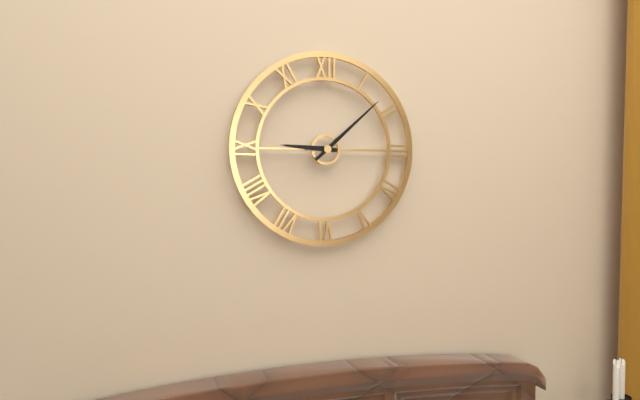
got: h=9 m=8
